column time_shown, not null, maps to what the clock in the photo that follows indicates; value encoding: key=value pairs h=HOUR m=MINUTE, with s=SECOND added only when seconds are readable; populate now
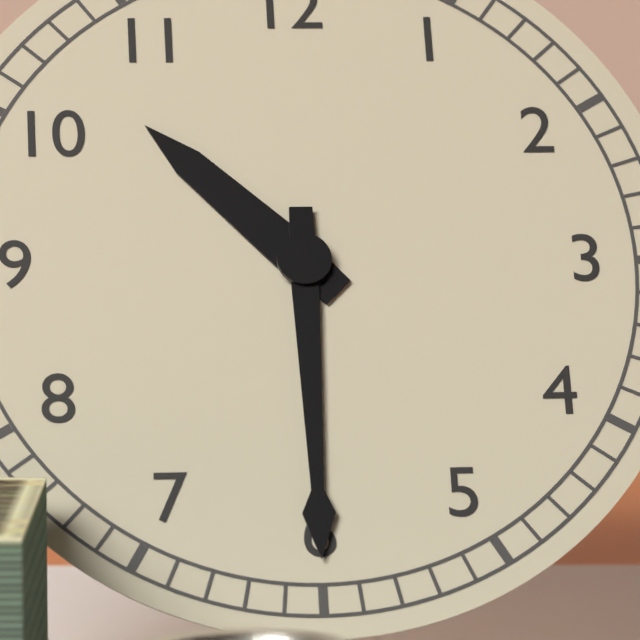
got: h=10 m=30
